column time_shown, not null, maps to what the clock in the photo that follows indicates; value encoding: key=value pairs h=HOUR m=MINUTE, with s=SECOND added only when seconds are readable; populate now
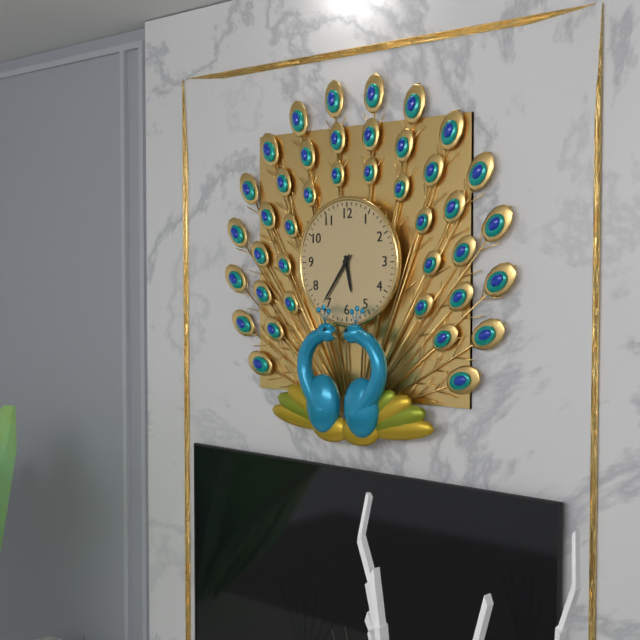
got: h=5 m=36
